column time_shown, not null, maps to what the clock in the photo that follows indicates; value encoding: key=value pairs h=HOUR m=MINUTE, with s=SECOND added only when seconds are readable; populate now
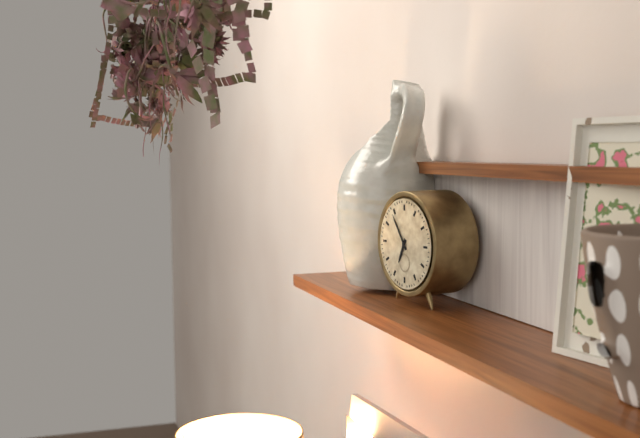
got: h=6 m=54
